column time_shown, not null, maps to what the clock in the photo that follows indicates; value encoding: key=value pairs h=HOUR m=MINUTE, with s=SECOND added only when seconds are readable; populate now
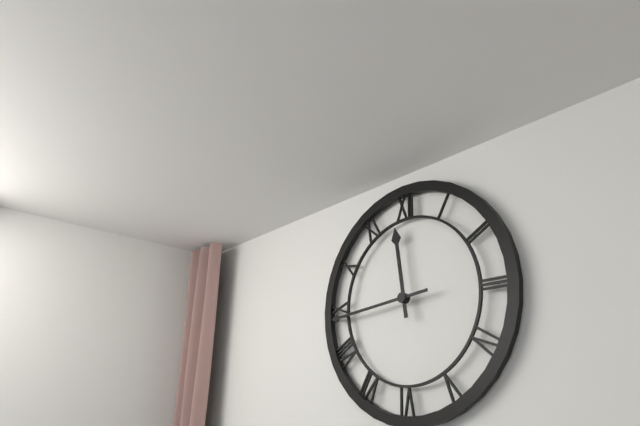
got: h=11 m=44
